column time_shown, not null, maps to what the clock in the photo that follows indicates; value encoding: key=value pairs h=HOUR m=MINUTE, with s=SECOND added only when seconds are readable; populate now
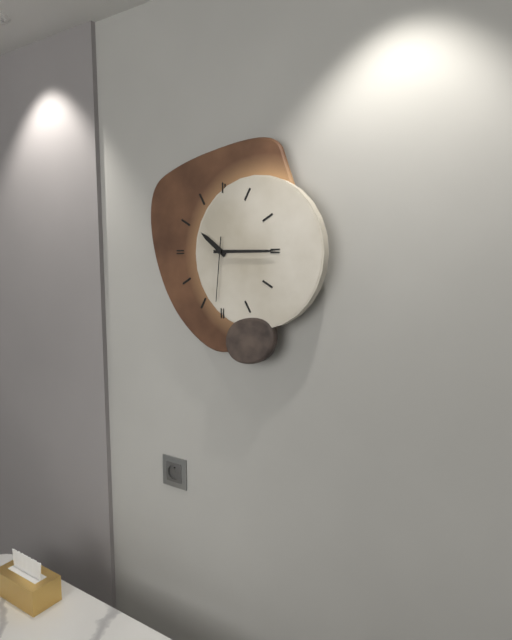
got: h=10 m=15 s=31
